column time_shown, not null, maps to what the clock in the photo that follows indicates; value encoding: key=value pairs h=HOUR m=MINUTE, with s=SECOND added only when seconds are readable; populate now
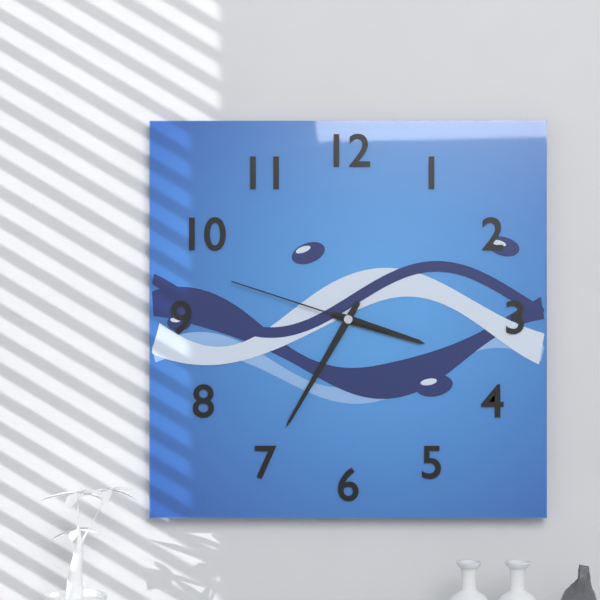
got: h=3 m=35 s=48
